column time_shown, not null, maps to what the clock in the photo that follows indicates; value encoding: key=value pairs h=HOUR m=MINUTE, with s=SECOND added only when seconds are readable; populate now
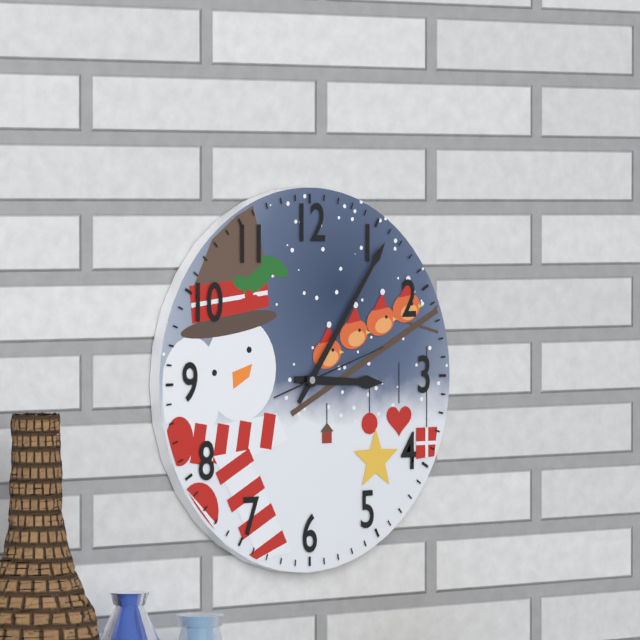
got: h=3 m=6 s=12
